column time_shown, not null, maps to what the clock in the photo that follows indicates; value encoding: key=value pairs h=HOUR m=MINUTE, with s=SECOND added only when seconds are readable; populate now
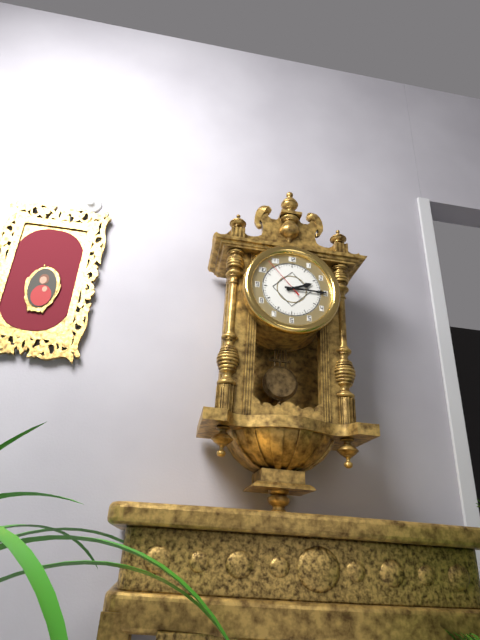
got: h=2 m=15
